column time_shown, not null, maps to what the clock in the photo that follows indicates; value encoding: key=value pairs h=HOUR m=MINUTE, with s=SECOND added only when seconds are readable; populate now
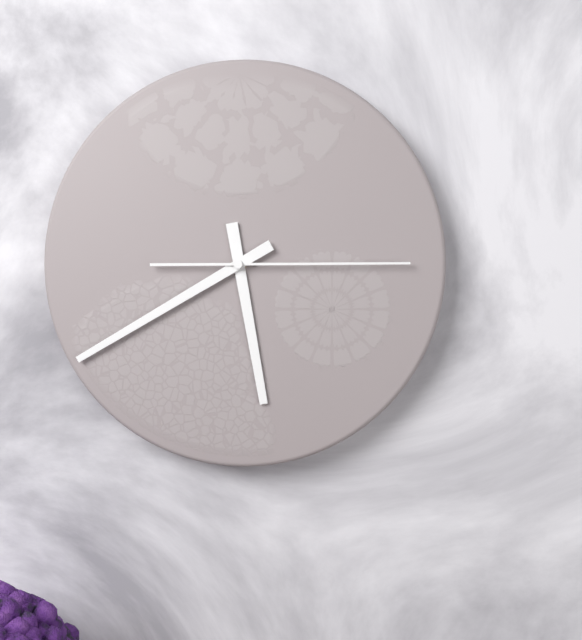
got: h=5 m=40 s=15
